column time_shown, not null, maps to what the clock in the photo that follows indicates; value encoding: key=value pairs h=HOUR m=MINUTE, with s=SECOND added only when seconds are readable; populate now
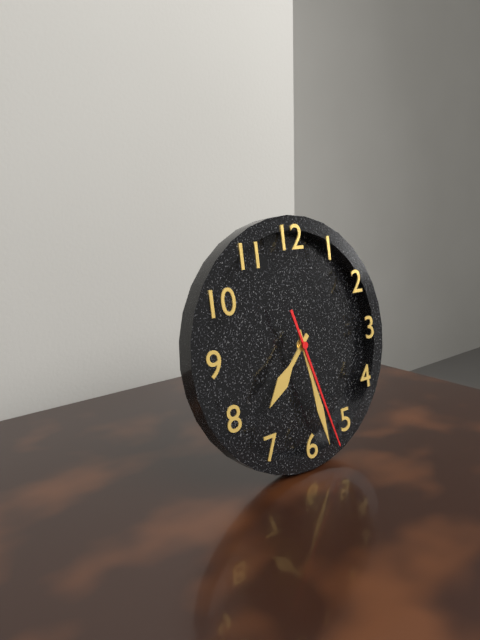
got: h=7 m=28 s=27
